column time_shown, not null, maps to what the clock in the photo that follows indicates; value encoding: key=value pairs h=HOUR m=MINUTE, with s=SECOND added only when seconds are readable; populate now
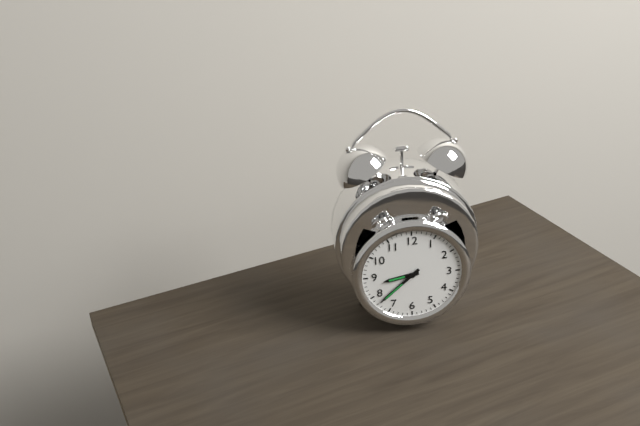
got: h=8 m=38
